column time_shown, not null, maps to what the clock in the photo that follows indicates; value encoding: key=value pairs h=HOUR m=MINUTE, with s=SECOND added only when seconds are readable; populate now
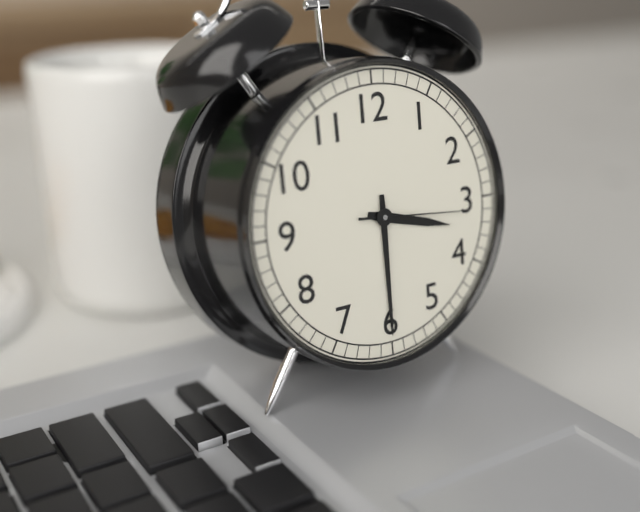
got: h=3 m=30 s=16
